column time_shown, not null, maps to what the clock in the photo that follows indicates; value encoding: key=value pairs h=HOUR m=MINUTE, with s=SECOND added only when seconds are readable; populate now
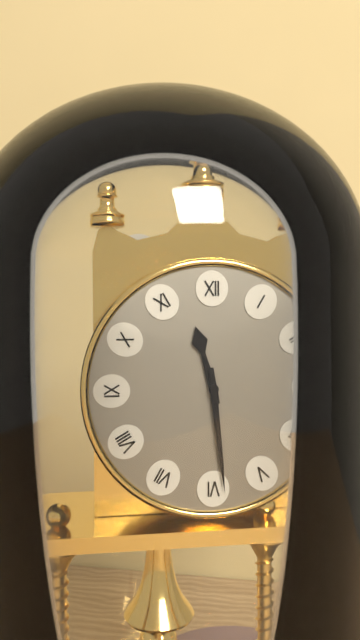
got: h=11 m=29
